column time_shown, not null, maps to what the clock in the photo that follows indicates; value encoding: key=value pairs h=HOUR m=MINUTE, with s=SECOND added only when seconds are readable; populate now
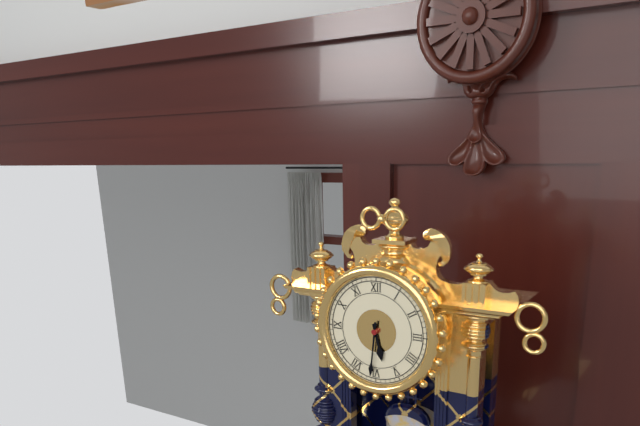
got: h=5 m=31
